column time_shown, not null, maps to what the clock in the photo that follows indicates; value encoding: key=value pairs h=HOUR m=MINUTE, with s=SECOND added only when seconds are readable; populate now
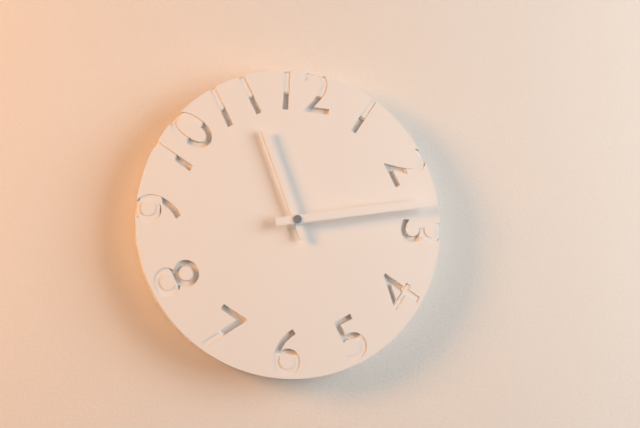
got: h=11 m=13
